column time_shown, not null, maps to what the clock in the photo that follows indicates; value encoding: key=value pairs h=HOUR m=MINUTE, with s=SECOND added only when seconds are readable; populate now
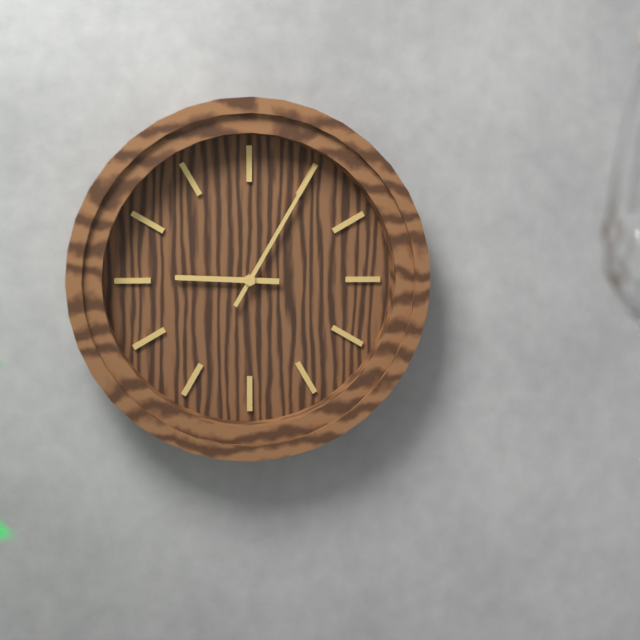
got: h=9 m=5
